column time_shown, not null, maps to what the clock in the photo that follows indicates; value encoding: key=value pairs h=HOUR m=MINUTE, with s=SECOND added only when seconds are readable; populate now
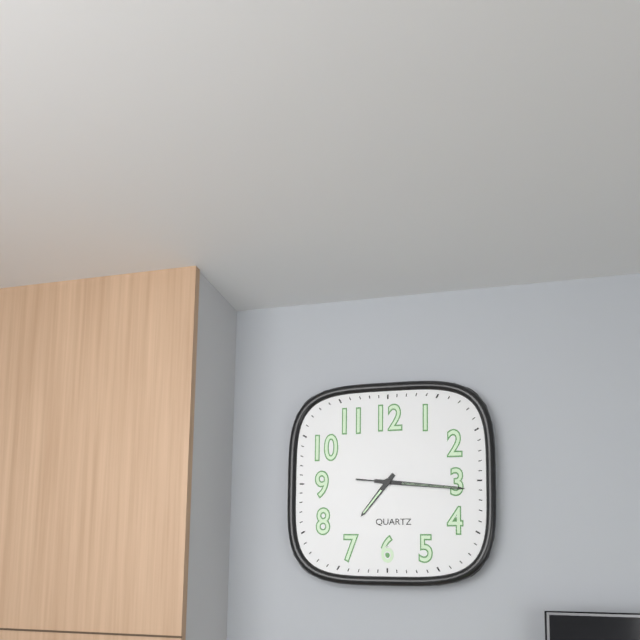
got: h=7 m=16 s=16
